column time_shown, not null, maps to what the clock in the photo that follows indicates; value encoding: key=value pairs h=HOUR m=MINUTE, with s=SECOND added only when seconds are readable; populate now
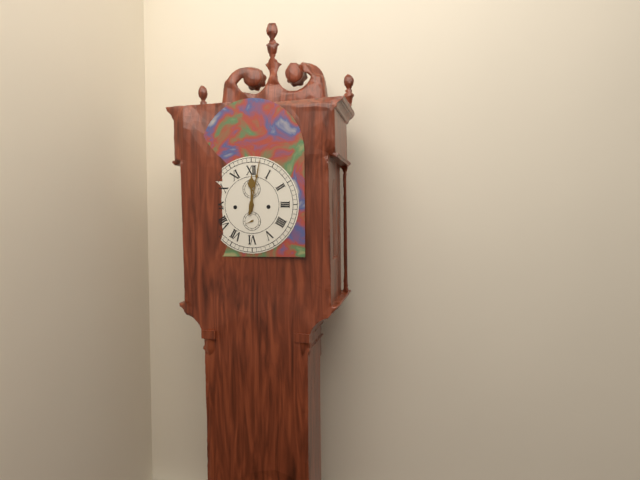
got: h=12 m=2
